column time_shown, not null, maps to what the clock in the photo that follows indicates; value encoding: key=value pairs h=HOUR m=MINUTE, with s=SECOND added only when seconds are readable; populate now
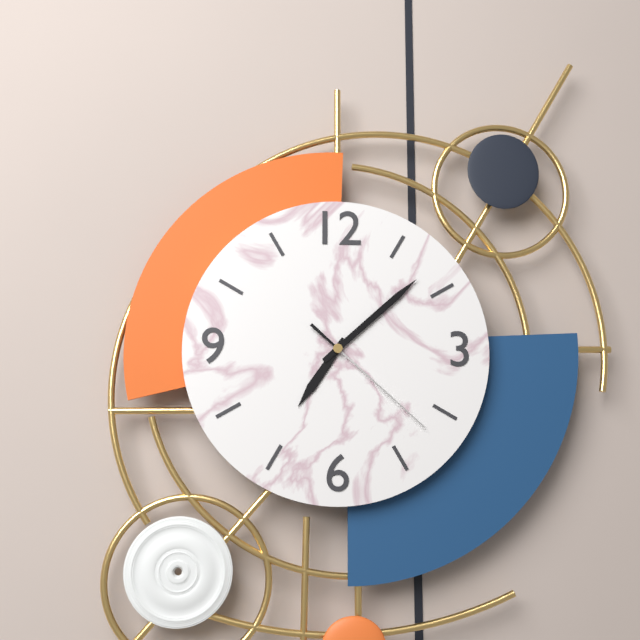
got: h=7 m=8 s=22
